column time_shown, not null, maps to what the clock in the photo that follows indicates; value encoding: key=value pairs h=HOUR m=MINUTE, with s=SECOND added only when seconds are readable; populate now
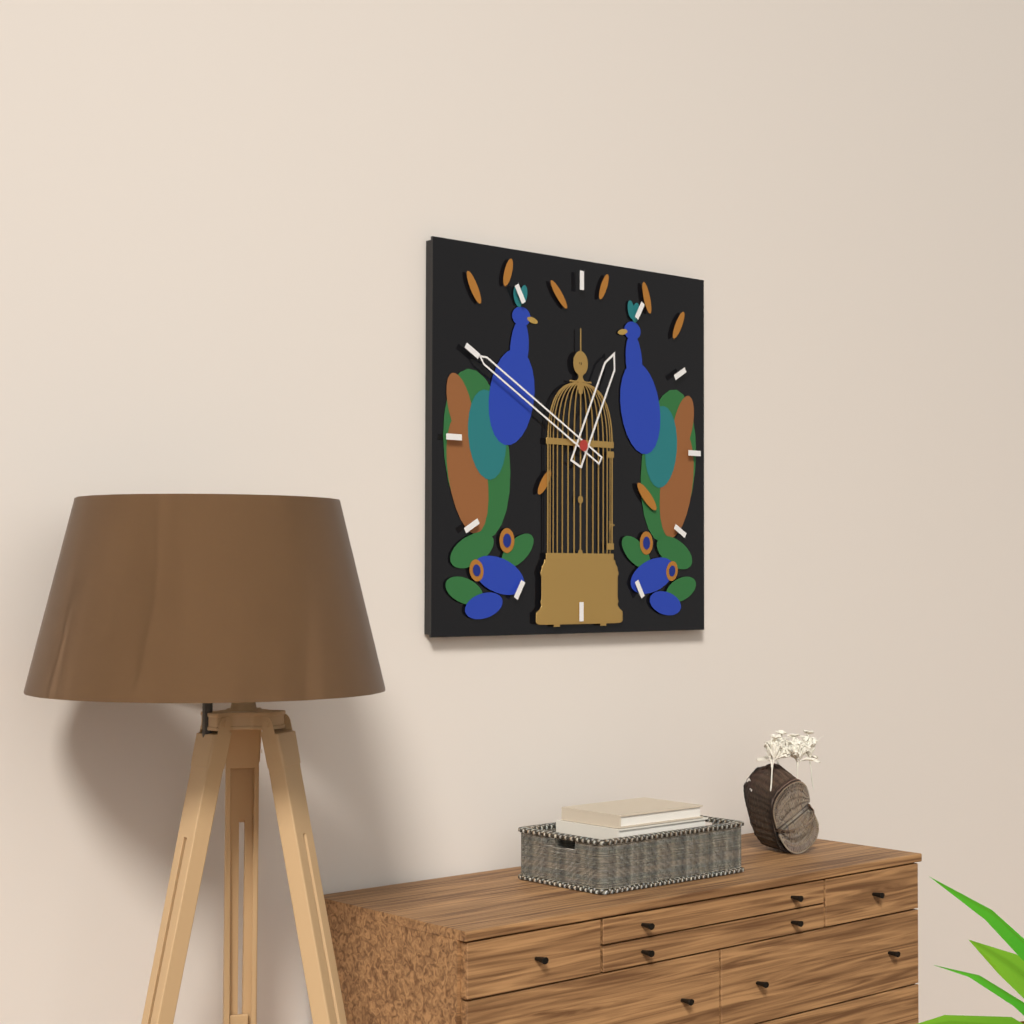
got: h=12 m=50
